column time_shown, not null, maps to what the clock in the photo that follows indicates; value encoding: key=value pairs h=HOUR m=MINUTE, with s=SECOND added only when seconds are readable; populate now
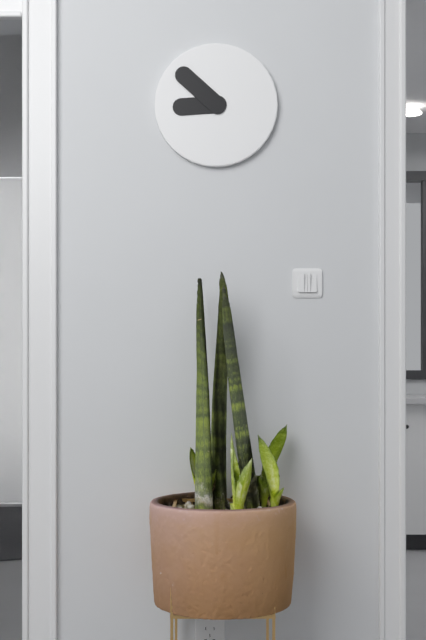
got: h=8 m=52
